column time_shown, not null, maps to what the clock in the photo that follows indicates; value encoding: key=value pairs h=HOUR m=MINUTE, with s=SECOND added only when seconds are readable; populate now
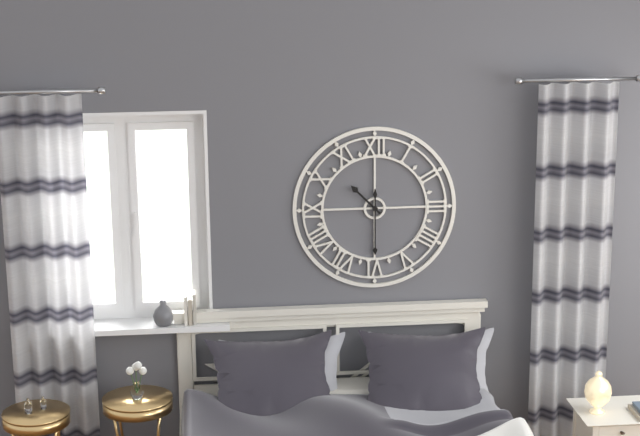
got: h=10 m=30
